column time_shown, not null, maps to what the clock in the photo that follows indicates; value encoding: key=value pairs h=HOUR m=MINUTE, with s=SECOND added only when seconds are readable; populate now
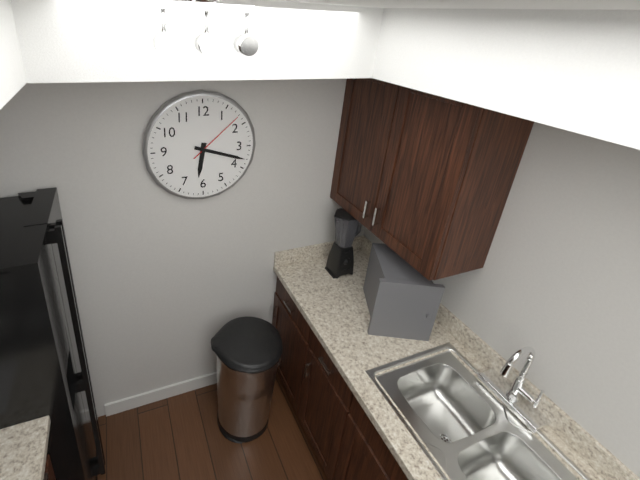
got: h=6 m=18 s=8
